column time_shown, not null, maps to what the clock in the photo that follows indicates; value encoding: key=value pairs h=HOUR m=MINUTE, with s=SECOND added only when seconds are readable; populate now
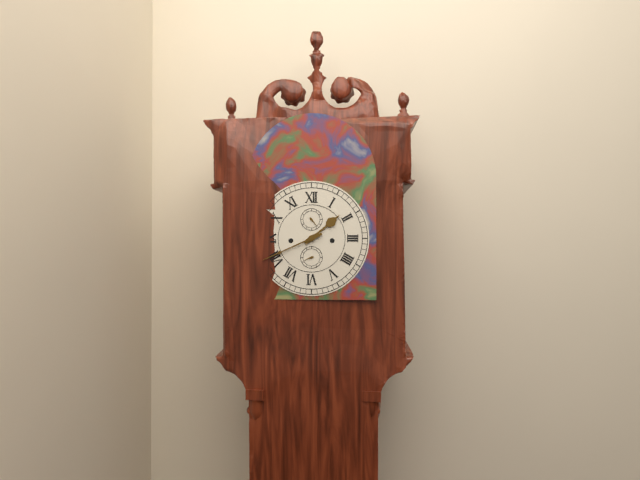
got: h=1 m=41
